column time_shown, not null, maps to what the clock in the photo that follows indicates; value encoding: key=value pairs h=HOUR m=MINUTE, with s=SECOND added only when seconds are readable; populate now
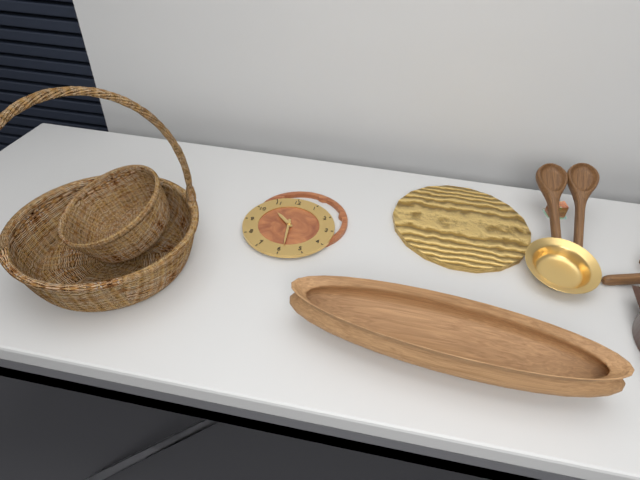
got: h=10 m=29
